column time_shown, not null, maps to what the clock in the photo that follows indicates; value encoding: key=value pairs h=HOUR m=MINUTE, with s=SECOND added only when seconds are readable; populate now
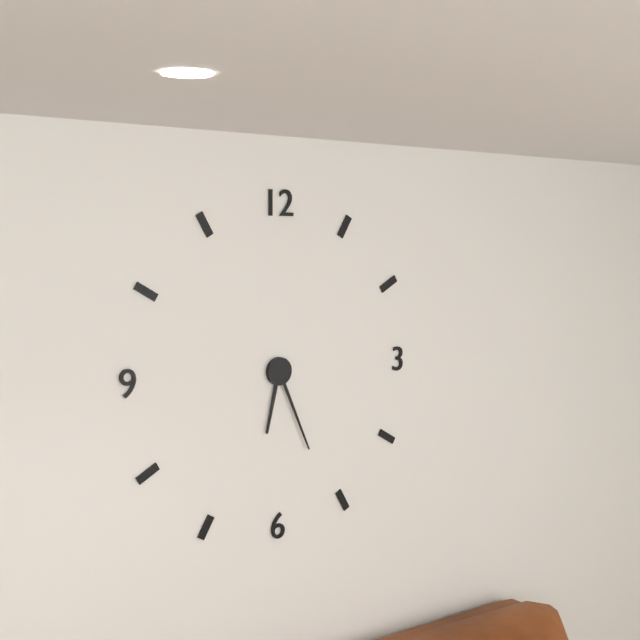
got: h=6 m=26
